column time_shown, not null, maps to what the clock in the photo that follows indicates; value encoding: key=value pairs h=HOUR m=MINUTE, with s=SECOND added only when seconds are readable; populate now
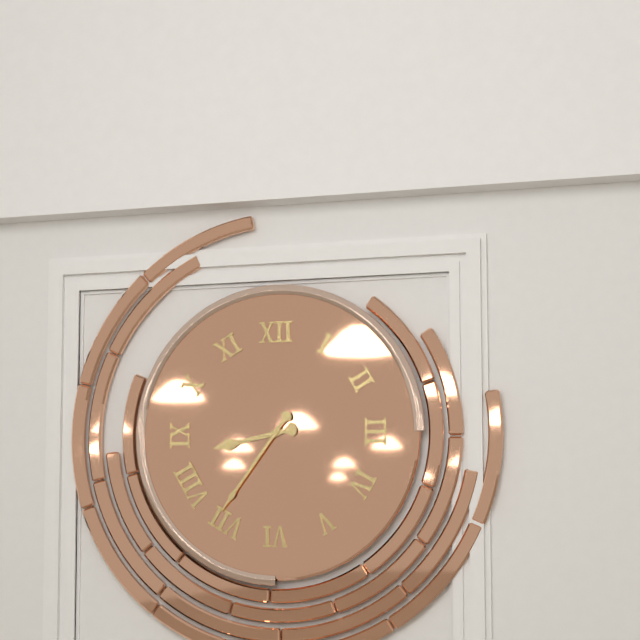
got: h=8 m=36
